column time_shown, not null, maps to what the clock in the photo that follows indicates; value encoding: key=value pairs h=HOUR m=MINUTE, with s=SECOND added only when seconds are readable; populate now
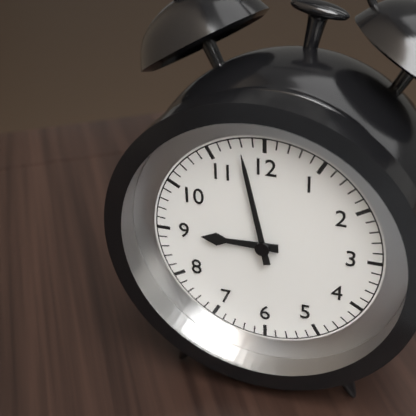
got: h=8 m=58
